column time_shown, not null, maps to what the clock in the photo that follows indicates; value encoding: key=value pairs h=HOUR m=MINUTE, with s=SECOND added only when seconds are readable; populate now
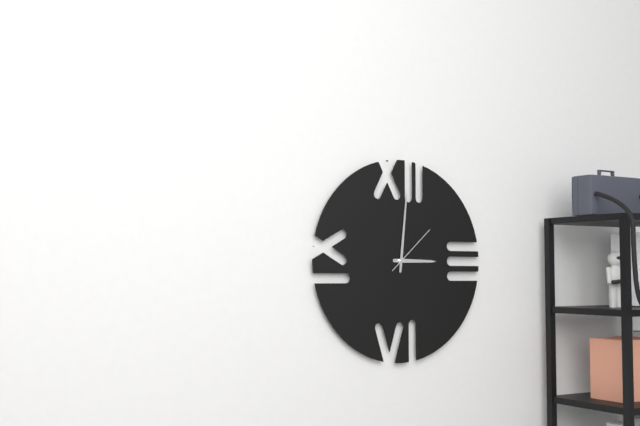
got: h=3 m=1 s=8
